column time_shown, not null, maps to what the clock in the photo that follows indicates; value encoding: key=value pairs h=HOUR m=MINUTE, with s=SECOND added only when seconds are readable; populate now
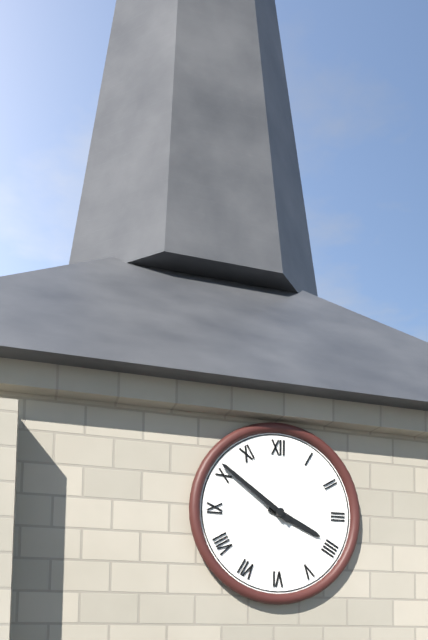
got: h=3 m=51
